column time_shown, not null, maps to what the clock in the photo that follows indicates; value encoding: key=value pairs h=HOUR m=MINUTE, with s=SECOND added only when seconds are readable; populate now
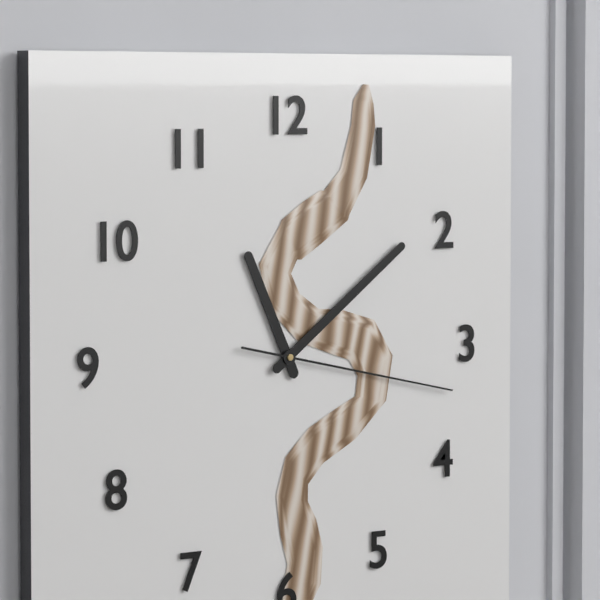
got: h=11 m=9 s=17
